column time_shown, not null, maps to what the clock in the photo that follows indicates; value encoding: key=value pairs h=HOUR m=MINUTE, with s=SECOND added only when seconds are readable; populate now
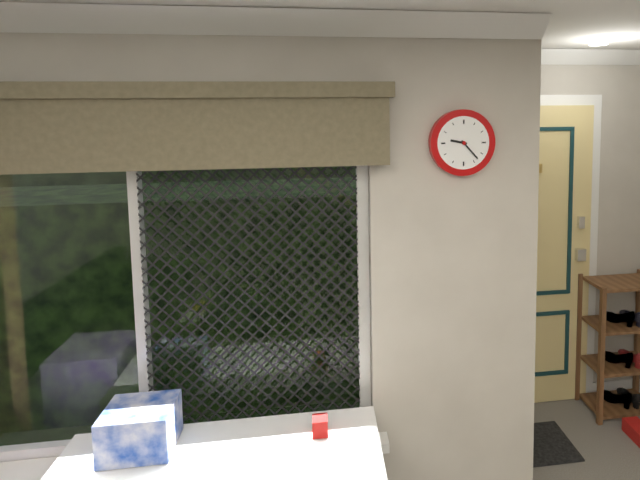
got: h=9 m=23
